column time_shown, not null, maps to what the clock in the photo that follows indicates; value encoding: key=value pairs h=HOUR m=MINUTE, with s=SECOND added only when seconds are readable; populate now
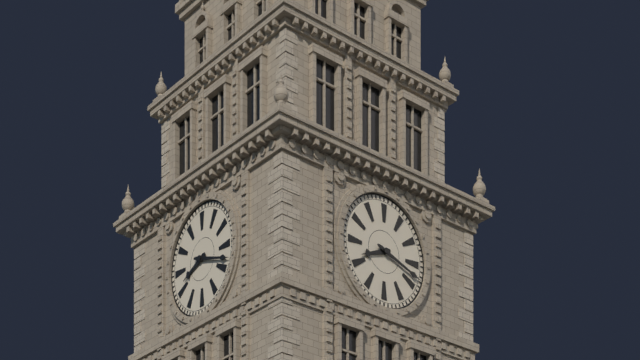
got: h=8 m=18
